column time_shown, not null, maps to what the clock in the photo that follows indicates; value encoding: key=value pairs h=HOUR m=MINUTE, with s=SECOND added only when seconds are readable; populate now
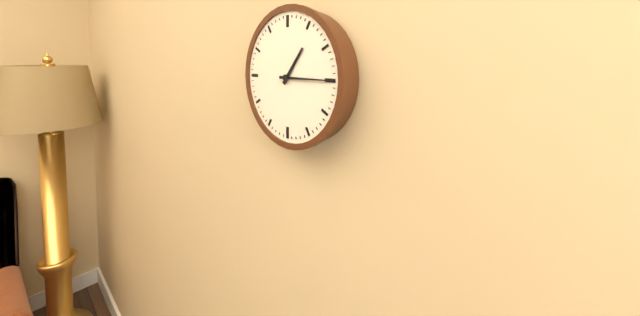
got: h=1 m=15
